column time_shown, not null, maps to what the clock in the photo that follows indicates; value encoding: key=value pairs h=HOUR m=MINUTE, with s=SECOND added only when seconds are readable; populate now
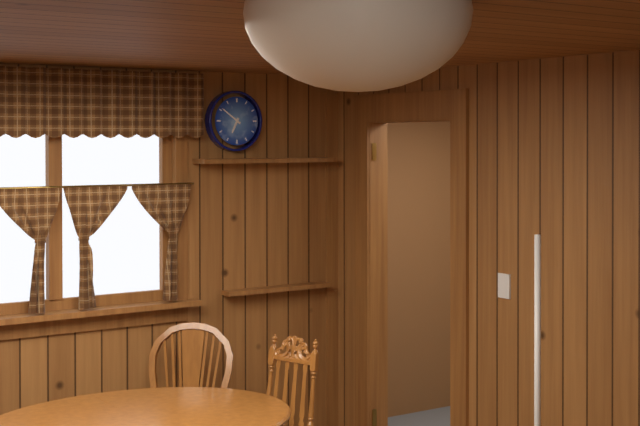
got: h=6 m=51
